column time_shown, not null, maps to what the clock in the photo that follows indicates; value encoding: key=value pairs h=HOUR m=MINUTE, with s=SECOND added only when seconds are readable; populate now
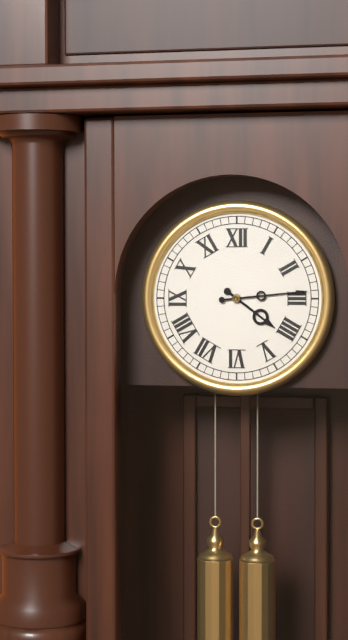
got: h=4 m=14
